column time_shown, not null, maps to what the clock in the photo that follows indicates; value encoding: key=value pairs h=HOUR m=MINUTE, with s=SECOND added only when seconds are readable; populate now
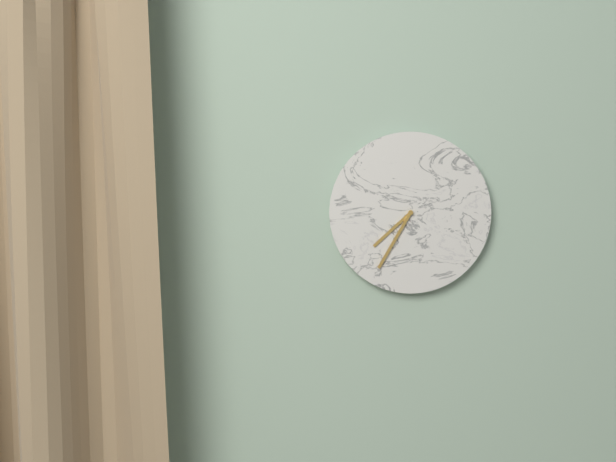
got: h=7 m=35
